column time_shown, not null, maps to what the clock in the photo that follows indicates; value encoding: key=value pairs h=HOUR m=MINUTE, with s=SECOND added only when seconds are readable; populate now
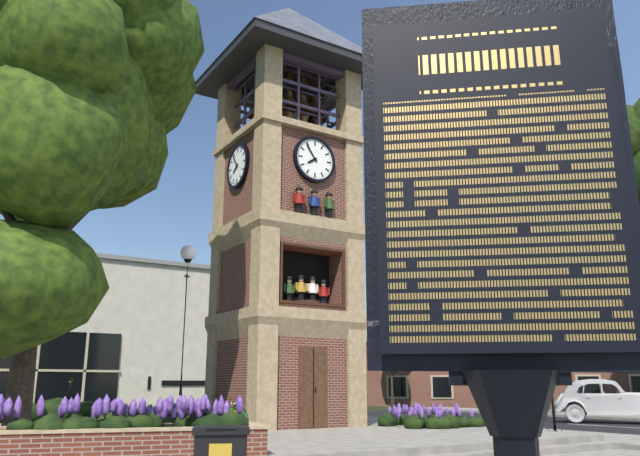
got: h=7 m=54
